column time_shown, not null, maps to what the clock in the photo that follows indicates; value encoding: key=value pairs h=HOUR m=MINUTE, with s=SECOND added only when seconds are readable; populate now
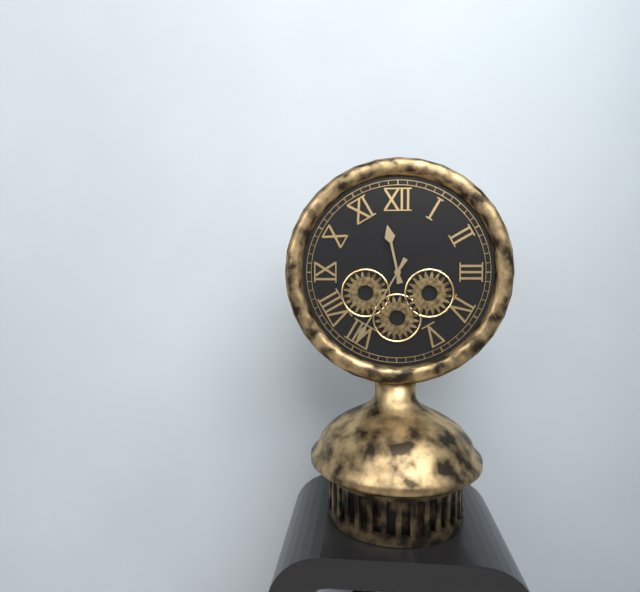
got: h=11 m=35
